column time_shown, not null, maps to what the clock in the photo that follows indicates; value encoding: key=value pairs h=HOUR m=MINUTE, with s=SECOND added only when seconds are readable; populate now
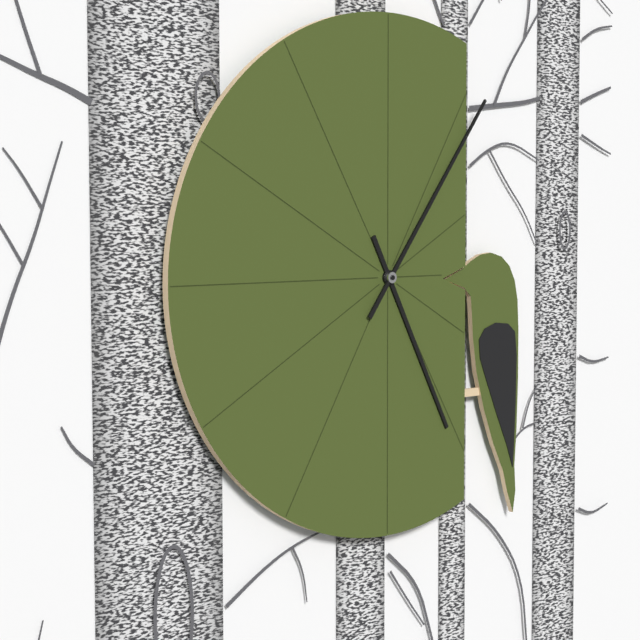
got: h=5 m=6
